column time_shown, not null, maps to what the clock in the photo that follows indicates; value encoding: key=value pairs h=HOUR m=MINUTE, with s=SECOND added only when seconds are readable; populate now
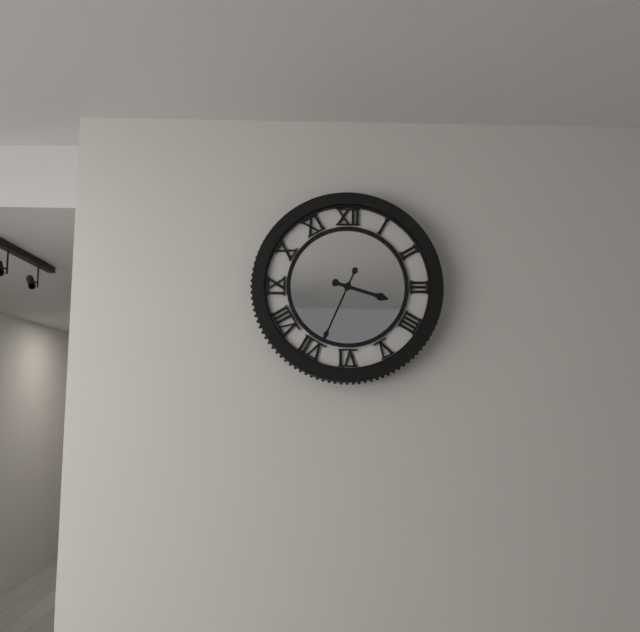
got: h=3 m=34
